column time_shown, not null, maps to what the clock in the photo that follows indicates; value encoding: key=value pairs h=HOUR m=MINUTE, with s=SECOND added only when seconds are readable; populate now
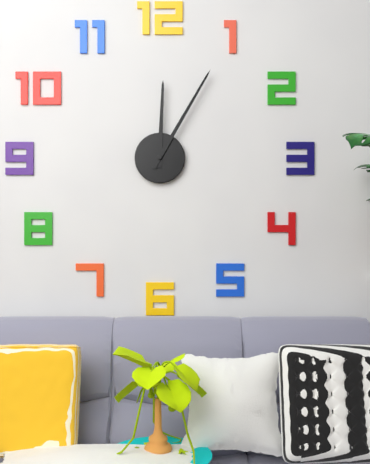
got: h=12 m=5
